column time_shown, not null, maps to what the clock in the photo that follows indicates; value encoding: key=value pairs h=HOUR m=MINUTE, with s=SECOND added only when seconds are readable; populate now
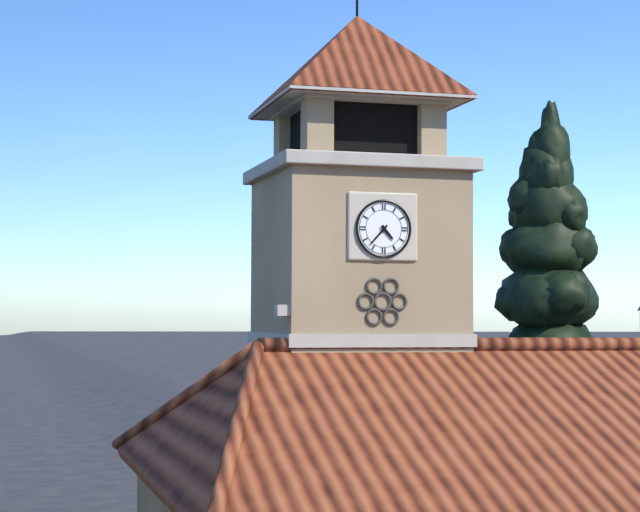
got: h=4 m=37
